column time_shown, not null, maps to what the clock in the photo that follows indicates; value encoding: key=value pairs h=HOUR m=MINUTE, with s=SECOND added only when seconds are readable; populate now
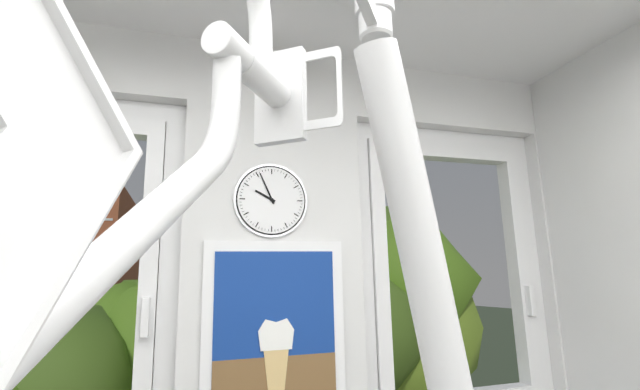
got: h=9 m=56
